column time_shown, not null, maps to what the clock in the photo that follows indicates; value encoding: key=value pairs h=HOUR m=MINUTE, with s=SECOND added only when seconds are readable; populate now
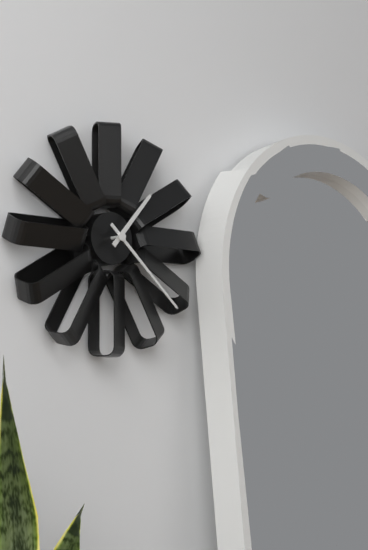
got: h=1 m=22
